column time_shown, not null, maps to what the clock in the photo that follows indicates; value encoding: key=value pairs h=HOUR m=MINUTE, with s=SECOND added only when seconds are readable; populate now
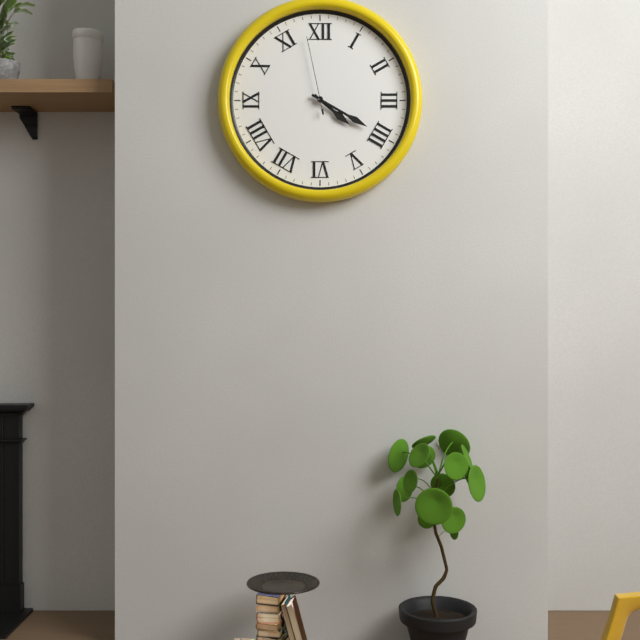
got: h=4 m=20 s=58
